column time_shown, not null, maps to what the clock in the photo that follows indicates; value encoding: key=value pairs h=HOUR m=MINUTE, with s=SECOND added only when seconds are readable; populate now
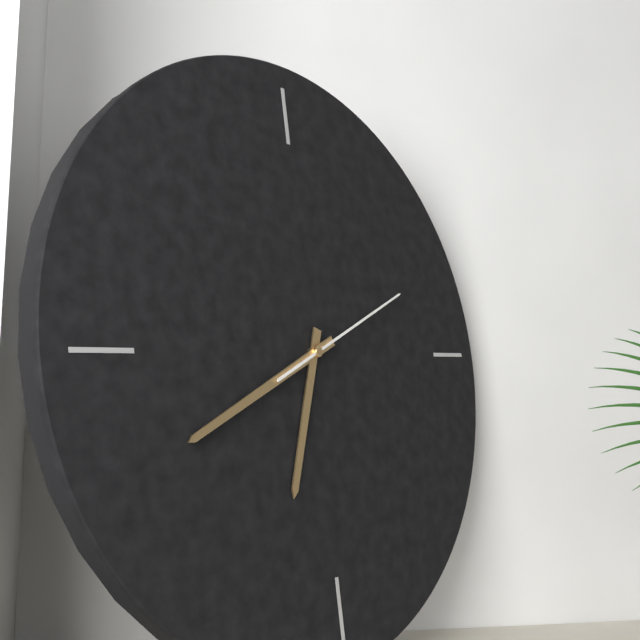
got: h=6 m=41 s=11
